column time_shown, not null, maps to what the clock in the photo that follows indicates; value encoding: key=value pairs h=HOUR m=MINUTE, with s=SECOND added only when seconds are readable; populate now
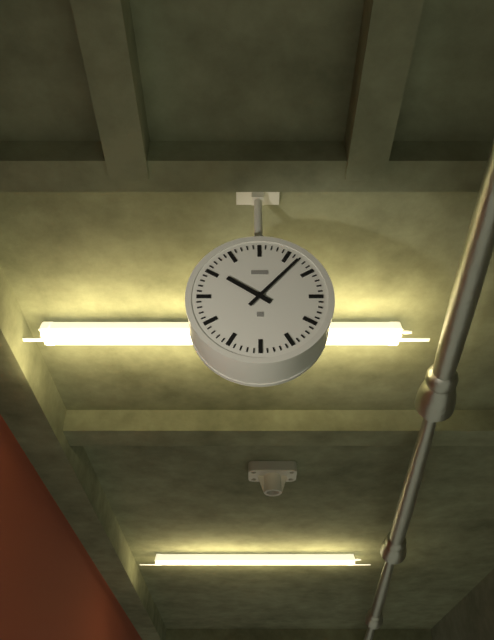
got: h=10 m=7
